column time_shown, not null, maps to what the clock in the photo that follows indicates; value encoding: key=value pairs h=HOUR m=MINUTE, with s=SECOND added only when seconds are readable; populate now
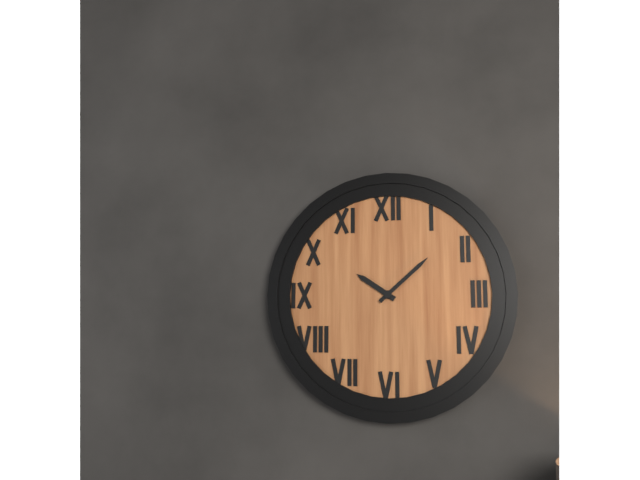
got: h=10 m=8
